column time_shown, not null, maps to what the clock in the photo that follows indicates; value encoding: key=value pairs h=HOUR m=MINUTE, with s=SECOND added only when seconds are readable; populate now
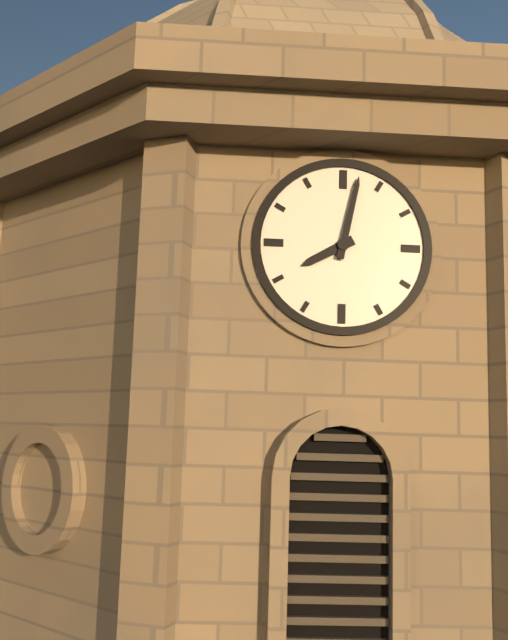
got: h=8 m=2
